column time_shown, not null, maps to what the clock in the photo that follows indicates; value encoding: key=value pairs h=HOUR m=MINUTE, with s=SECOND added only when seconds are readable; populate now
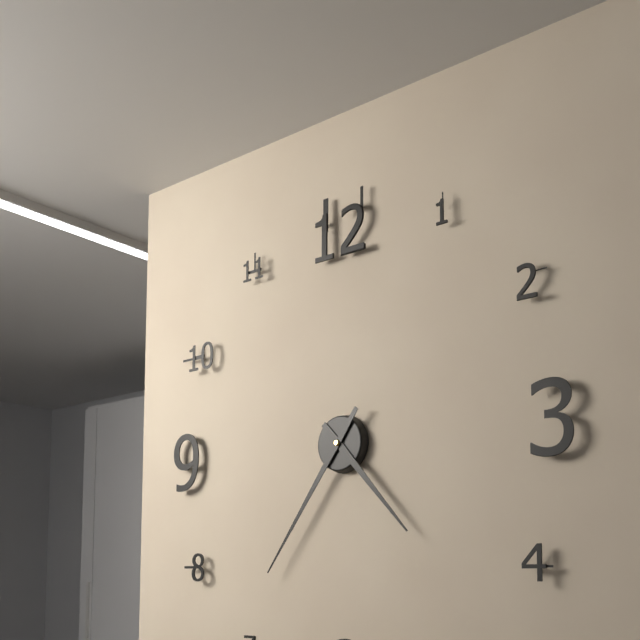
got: h=4 m=36
